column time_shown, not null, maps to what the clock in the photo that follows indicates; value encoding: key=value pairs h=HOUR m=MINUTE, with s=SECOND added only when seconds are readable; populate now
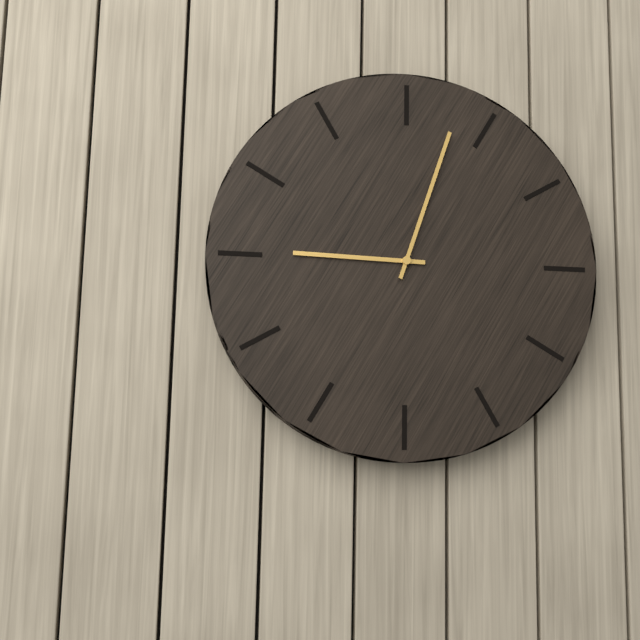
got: h=9 m=3
